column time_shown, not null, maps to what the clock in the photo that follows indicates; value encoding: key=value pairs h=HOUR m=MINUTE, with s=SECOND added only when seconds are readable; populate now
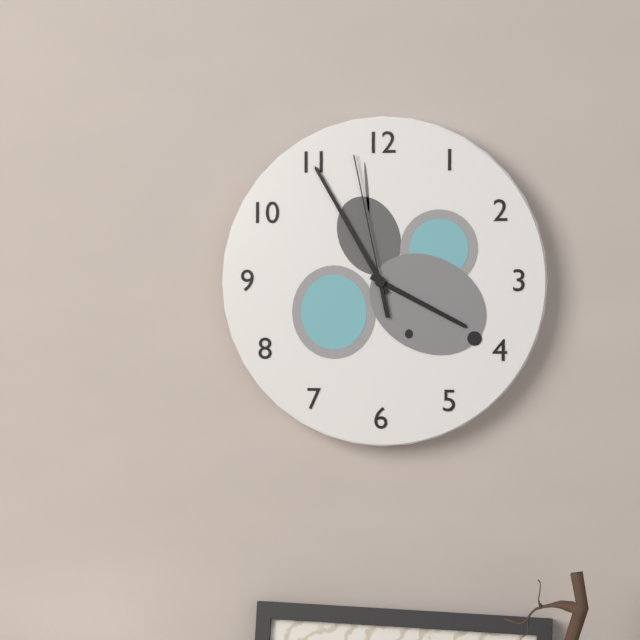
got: h=3 m=55 s=58
